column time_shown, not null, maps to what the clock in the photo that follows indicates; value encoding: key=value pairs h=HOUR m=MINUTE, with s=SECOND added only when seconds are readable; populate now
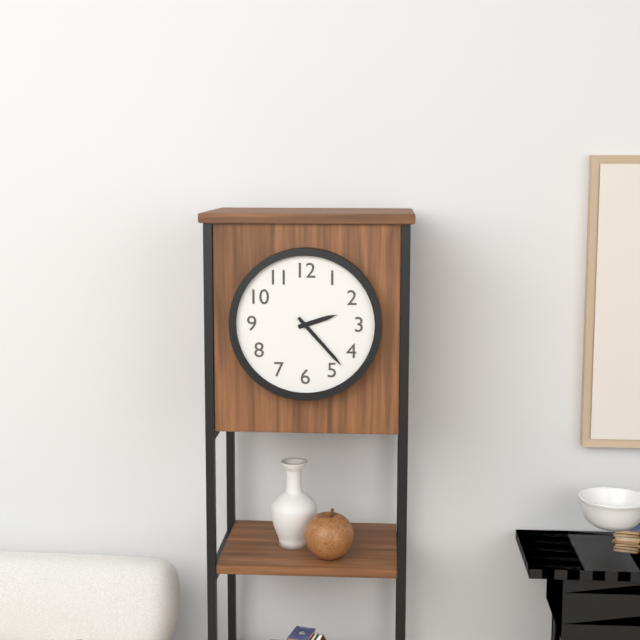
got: h=2 m=23
